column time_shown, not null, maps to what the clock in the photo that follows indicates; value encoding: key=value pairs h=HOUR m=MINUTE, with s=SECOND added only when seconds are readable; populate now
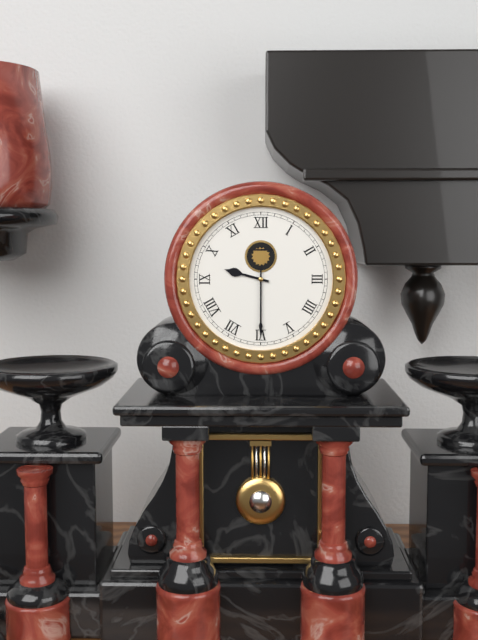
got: h=9 m=30
